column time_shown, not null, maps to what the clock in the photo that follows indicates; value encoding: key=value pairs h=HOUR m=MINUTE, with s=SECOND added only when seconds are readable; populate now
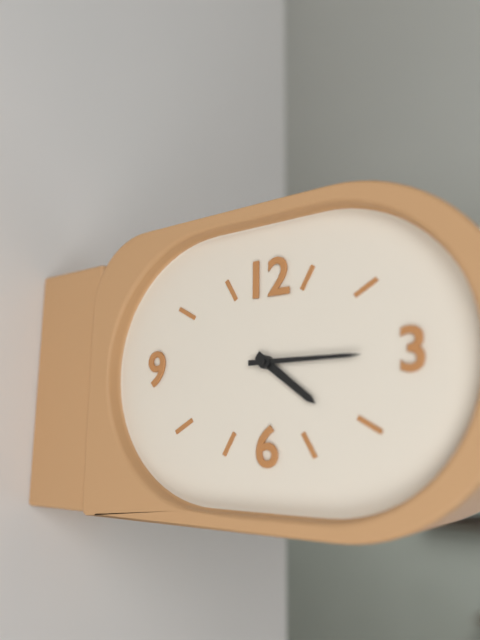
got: h=4 m=15
